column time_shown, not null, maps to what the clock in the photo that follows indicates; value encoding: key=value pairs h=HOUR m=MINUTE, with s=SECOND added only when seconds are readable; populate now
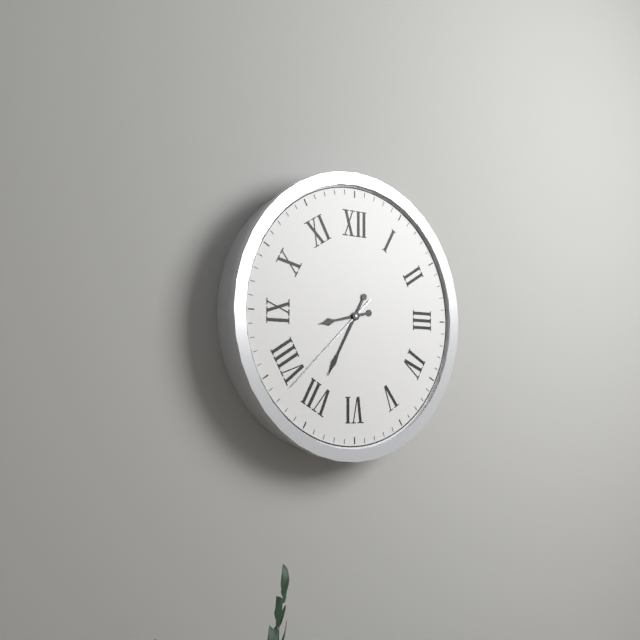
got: h=8 m=35 s=38
